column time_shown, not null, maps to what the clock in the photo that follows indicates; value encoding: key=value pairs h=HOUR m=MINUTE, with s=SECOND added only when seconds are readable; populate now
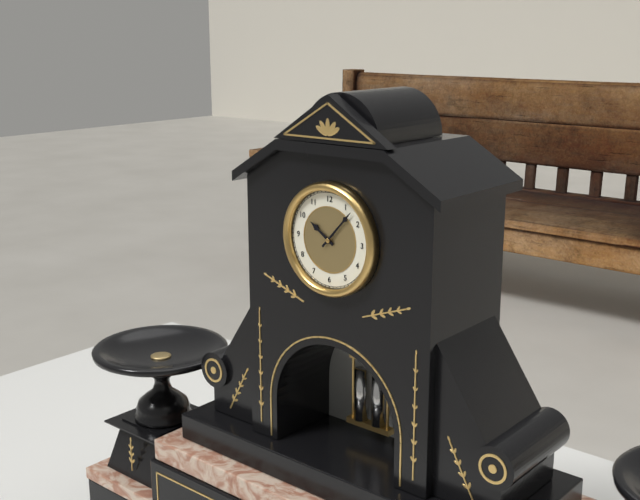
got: h=10 m=7
